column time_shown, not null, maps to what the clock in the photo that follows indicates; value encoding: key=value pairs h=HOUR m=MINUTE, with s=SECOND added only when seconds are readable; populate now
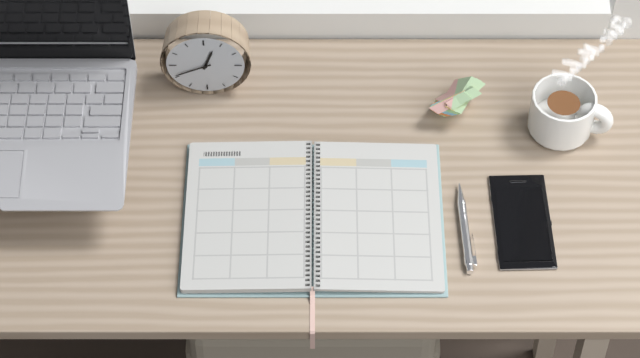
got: h=12 m=41
